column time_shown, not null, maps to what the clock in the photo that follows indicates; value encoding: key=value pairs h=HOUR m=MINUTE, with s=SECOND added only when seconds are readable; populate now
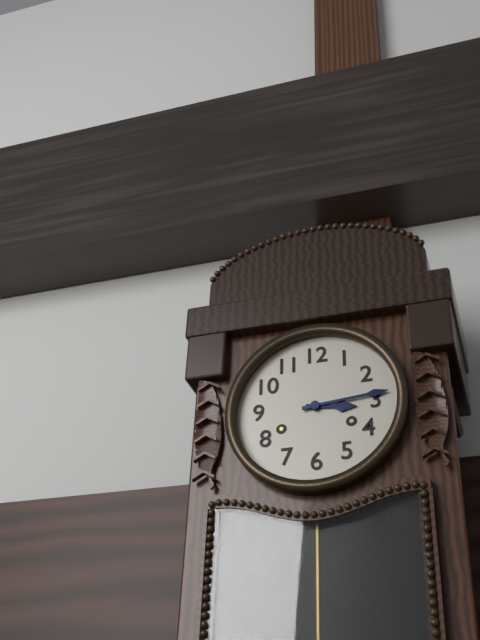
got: h=3 m=14
